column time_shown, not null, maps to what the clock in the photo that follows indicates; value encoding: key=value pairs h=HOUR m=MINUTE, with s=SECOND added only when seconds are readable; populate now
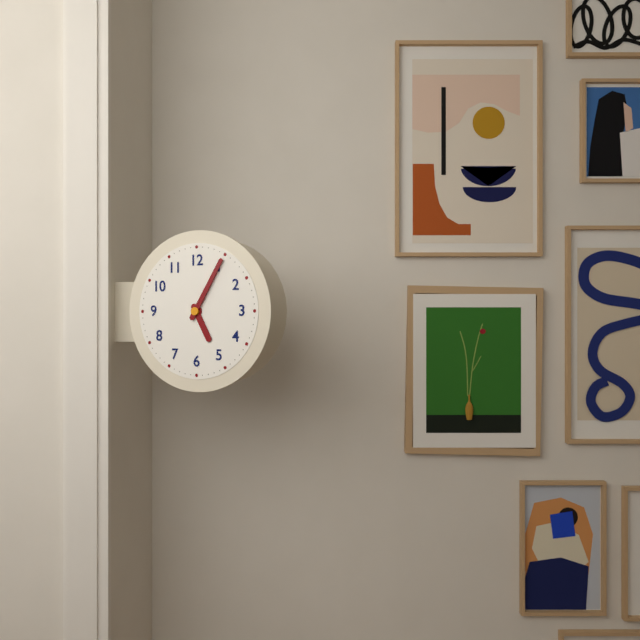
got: h=5 m=5
